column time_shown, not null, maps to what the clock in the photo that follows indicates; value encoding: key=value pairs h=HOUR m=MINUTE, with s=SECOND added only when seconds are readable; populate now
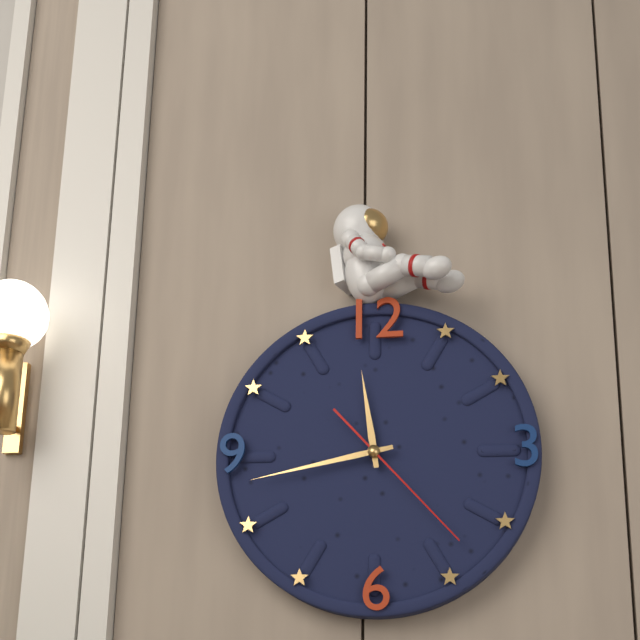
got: h=11 m=43 s=23
